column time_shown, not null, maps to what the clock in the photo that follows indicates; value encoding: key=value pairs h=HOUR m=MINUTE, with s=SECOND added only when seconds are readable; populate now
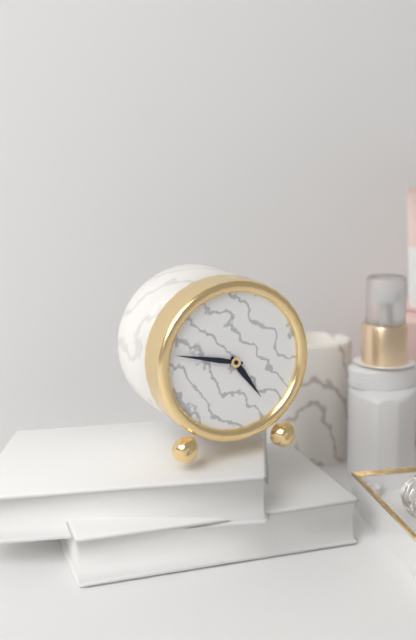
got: h=4 m=47
